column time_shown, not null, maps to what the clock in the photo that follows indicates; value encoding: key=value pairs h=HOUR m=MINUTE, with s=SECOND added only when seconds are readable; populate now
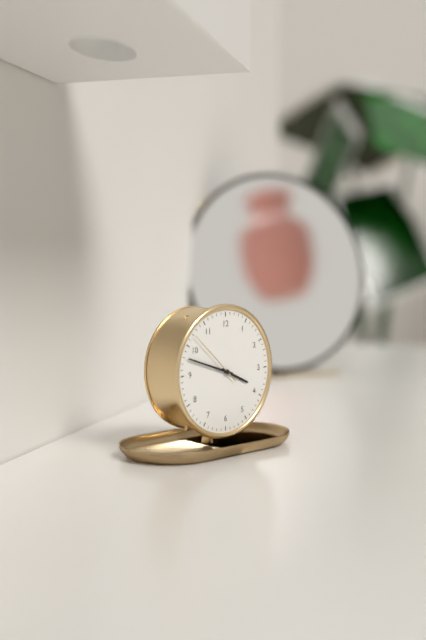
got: h=3 m=48 s=52
